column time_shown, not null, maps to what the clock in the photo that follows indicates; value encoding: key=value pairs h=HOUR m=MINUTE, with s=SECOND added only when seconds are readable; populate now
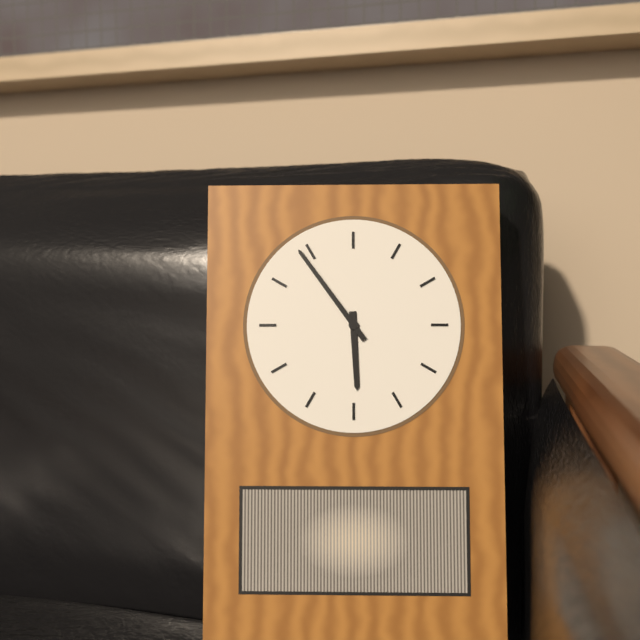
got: h=5 m=54
